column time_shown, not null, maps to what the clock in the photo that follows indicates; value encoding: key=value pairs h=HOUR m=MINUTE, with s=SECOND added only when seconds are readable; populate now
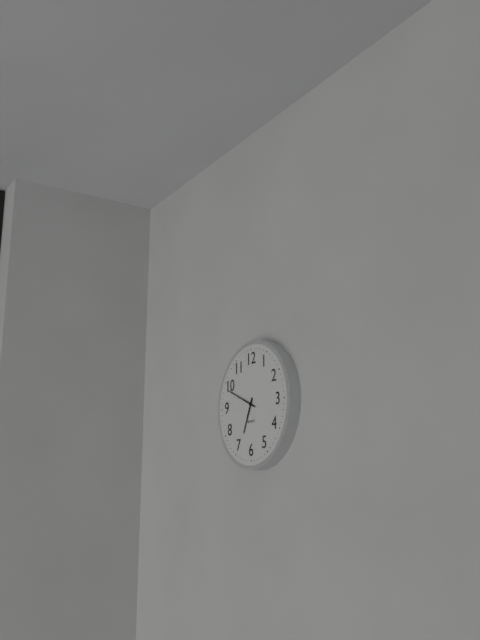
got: h=6 m=49
